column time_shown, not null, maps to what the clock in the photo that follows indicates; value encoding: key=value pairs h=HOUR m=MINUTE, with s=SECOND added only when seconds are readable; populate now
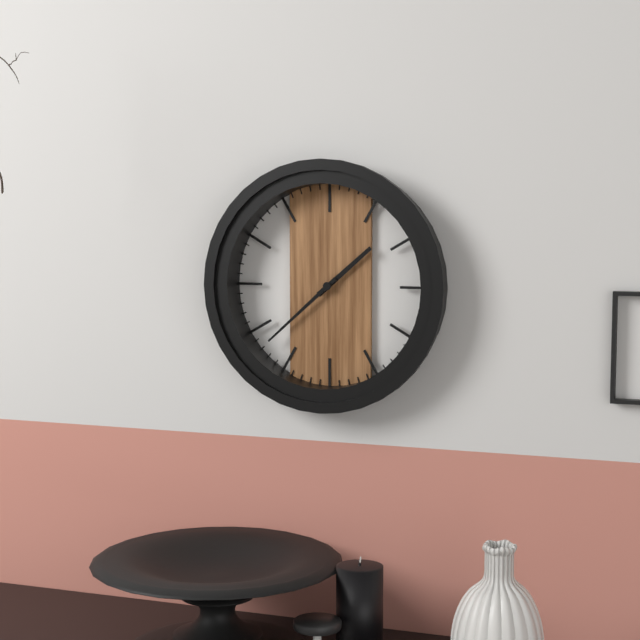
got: h=1 m=38
